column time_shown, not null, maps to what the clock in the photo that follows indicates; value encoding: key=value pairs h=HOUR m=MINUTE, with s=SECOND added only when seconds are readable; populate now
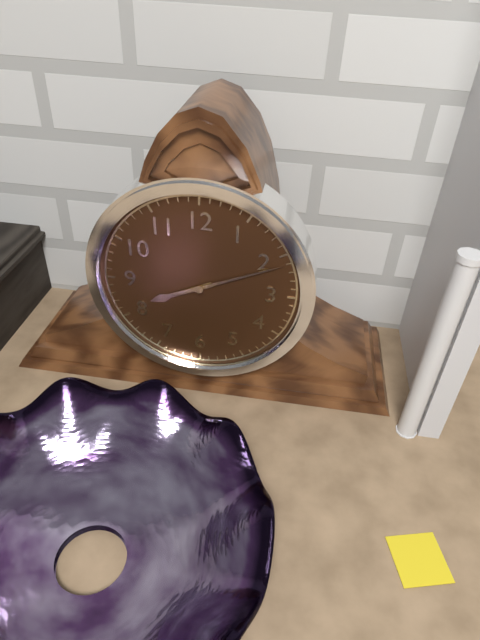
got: h=8 m=11
